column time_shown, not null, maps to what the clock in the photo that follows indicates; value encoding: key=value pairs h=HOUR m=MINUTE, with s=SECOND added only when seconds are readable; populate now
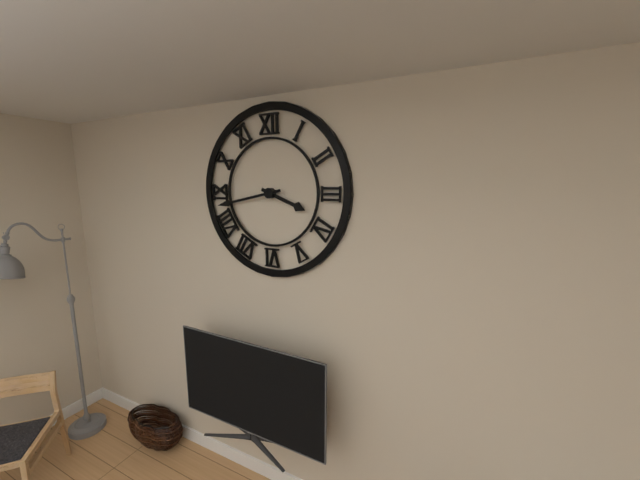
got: h=3 m=43
